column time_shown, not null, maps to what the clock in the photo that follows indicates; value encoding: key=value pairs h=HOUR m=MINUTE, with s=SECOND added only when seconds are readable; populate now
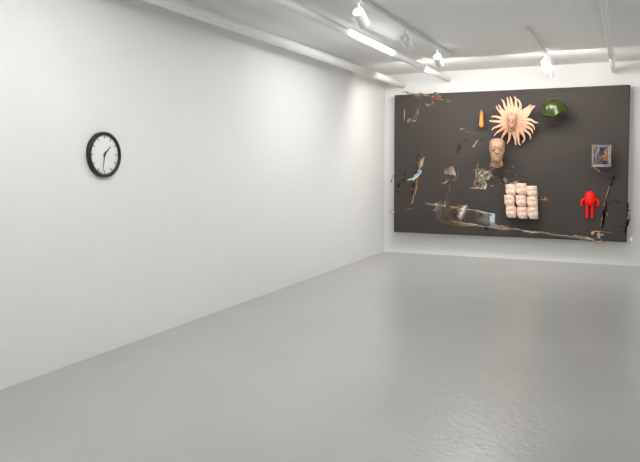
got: h=1 m=32
